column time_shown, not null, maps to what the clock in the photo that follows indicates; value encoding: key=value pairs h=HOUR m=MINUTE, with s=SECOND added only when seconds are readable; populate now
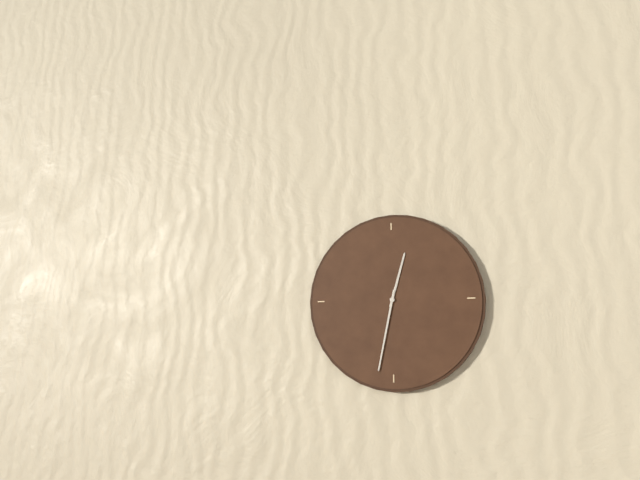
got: h=12 m=32
